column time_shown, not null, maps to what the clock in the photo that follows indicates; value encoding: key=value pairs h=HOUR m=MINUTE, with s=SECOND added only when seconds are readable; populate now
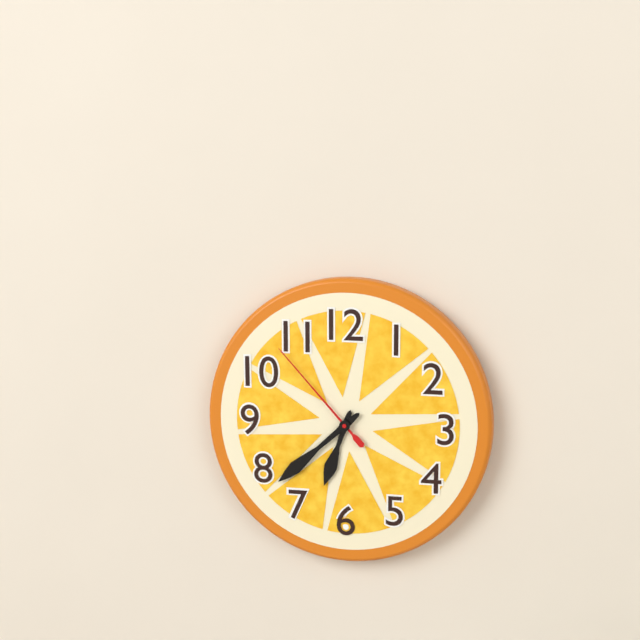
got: h=6 m=38 s=53
